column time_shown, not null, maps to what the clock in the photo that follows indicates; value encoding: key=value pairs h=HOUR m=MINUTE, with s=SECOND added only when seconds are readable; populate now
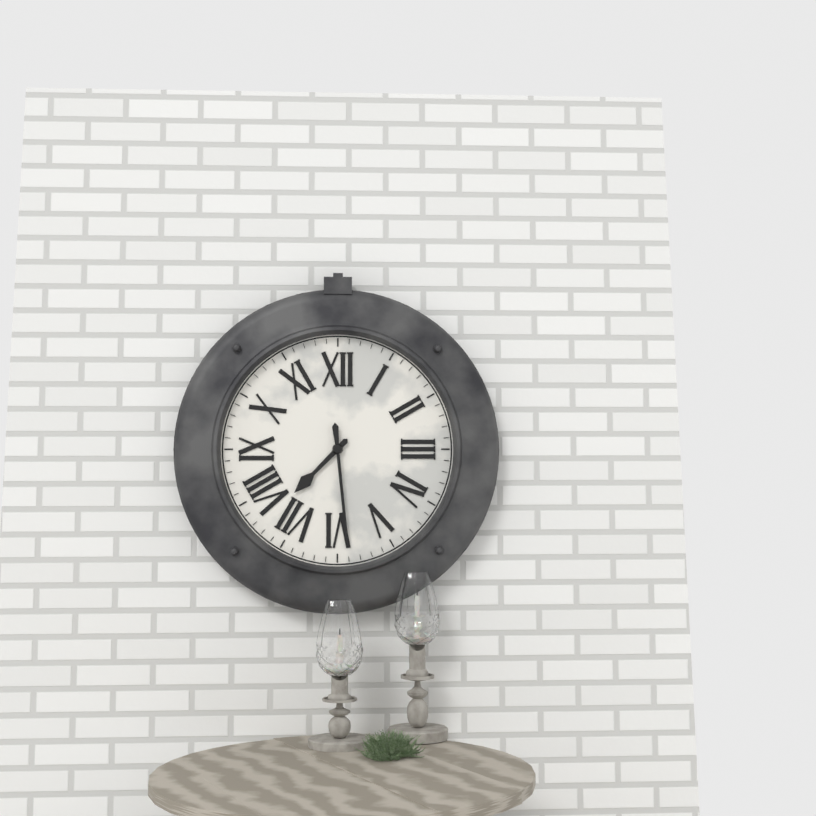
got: h=7 m=29
